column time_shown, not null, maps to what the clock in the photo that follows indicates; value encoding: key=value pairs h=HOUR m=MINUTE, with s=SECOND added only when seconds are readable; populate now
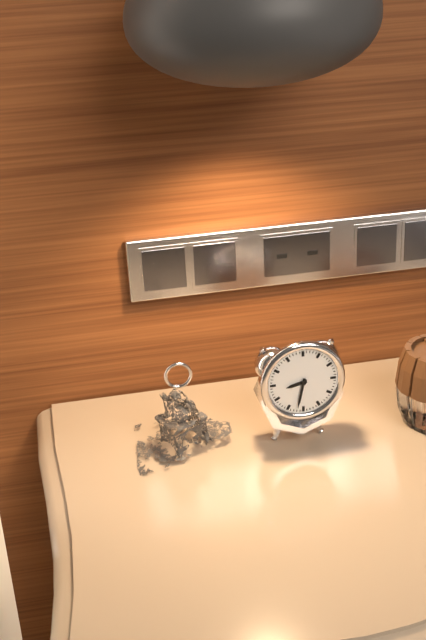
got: h=8 m=32
